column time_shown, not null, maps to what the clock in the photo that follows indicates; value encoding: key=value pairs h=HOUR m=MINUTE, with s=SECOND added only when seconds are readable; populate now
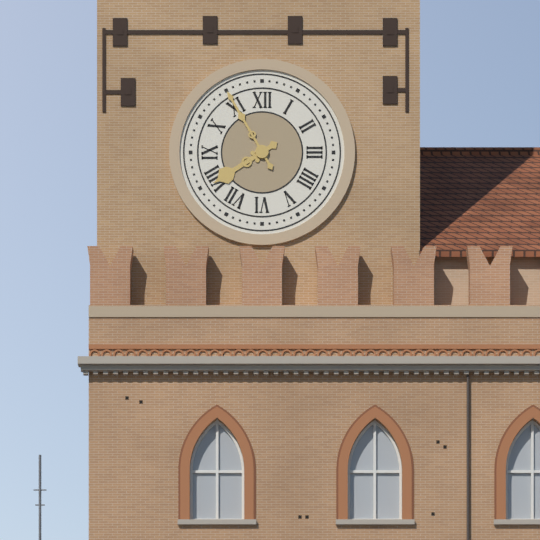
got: h=7 m=55
